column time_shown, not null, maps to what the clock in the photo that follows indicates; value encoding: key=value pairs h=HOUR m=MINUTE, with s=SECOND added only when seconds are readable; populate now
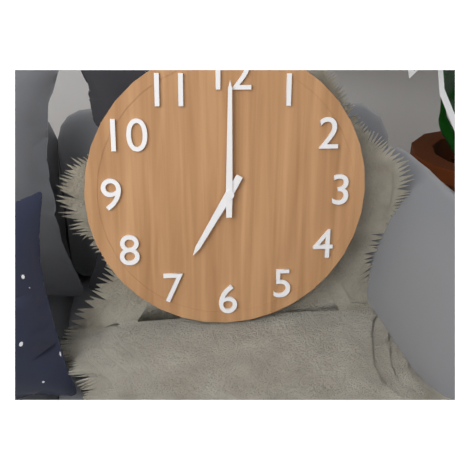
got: h=7 m=0
